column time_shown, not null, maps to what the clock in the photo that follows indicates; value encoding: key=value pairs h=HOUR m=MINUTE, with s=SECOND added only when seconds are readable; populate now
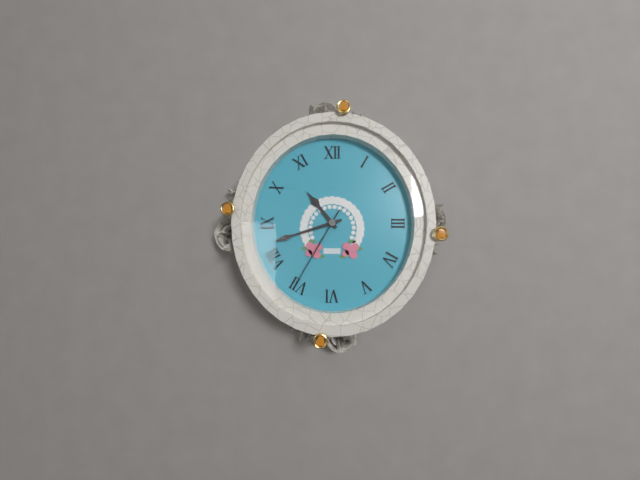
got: h=10 m=42 s=35
